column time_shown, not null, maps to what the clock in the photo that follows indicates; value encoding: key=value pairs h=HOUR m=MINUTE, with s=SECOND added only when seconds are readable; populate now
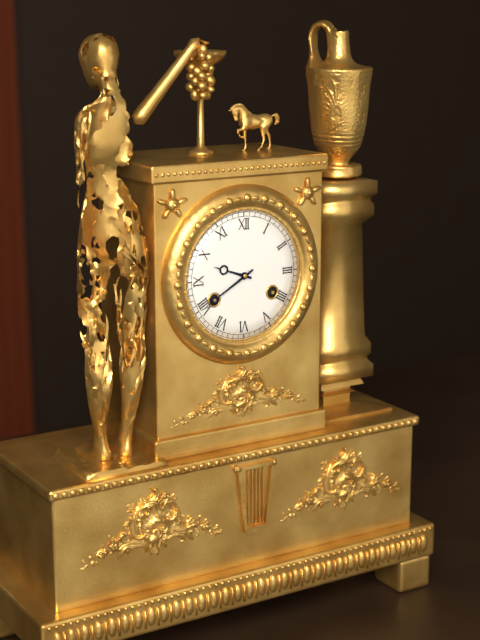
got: h=9 m=40
